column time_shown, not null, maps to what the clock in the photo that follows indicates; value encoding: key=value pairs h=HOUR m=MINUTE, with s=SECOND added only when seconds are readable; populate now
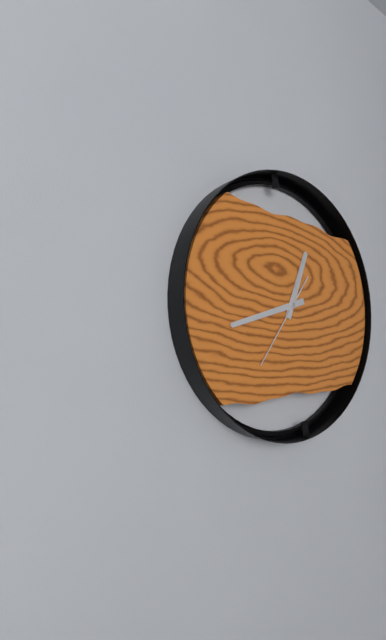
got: h=12 m=42 s=36
